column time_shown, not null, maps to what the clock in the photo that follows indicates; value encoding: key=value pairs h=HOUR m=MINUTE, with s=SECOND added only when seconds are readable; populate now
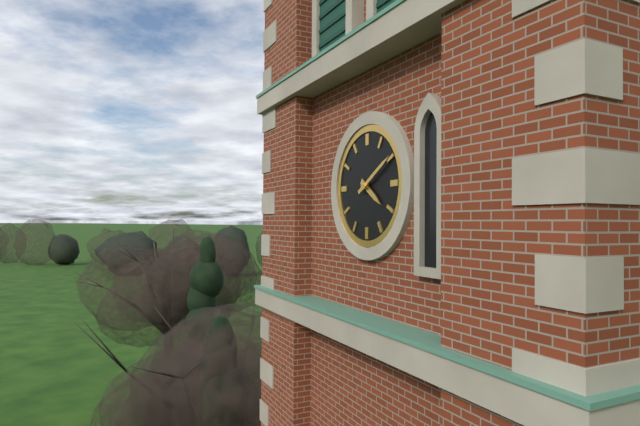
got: h=4 m=10
